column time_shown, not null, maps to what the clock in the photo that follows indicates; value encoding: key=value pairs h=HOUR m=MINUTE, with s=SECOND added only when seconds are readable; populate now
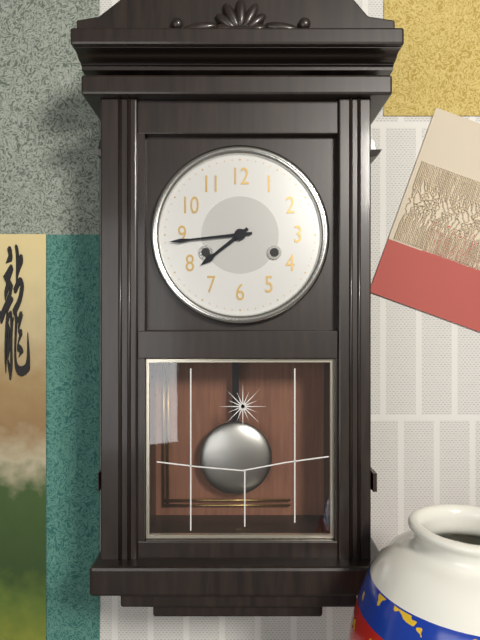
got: h=7 m=44
